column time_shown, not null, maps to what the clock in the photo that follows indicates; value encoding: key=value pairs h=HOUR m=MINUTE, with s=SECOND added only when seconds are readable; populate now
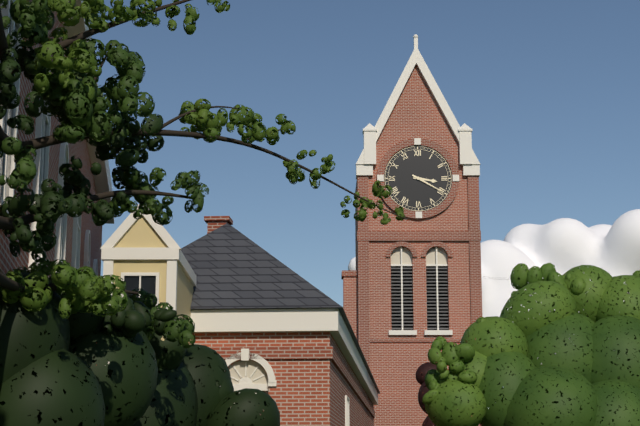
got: h=3 m=20
